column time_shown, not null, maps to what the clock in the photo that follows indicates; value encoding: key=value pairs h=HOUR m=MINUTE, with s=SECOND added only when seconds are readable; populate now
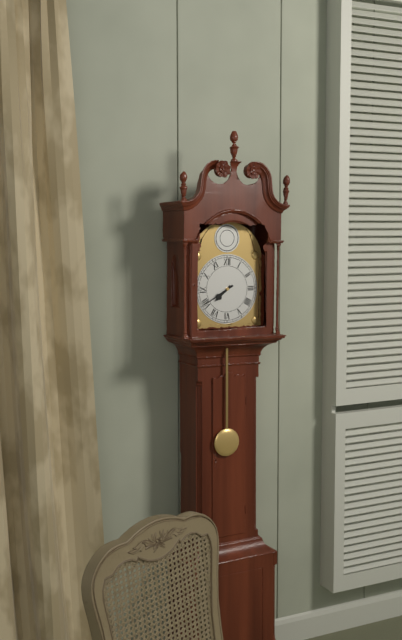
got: h=7 m=40
